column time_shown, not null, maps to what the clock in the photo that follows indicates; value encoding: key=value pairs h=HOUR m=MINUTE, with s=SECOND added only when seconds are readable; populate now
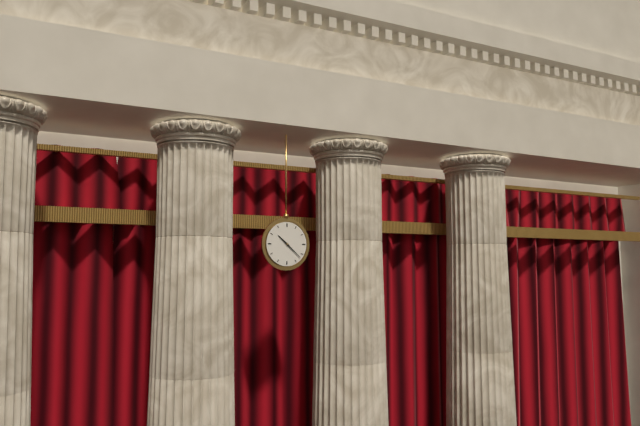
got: h=10 m=22
